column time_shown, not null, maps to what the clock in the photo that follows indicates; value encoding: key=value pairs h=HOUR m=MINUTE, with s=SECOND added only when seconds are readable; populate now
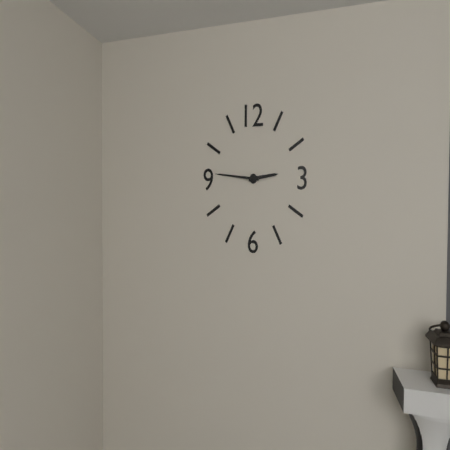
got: h=2 m=46
